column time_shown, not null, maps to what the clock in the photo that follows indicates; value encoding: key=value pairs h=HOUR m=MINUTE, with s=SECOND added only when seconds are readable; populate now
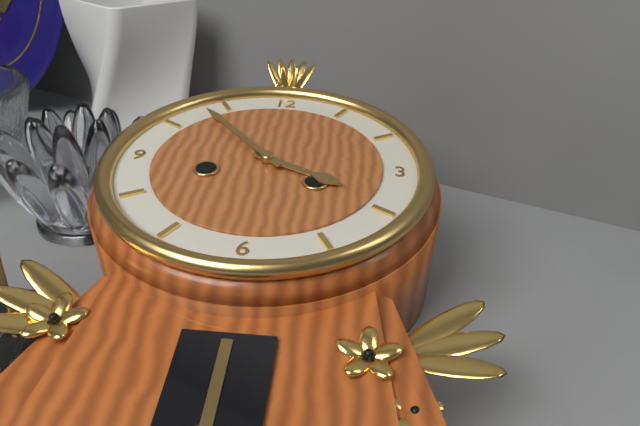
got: h=3 m=53
